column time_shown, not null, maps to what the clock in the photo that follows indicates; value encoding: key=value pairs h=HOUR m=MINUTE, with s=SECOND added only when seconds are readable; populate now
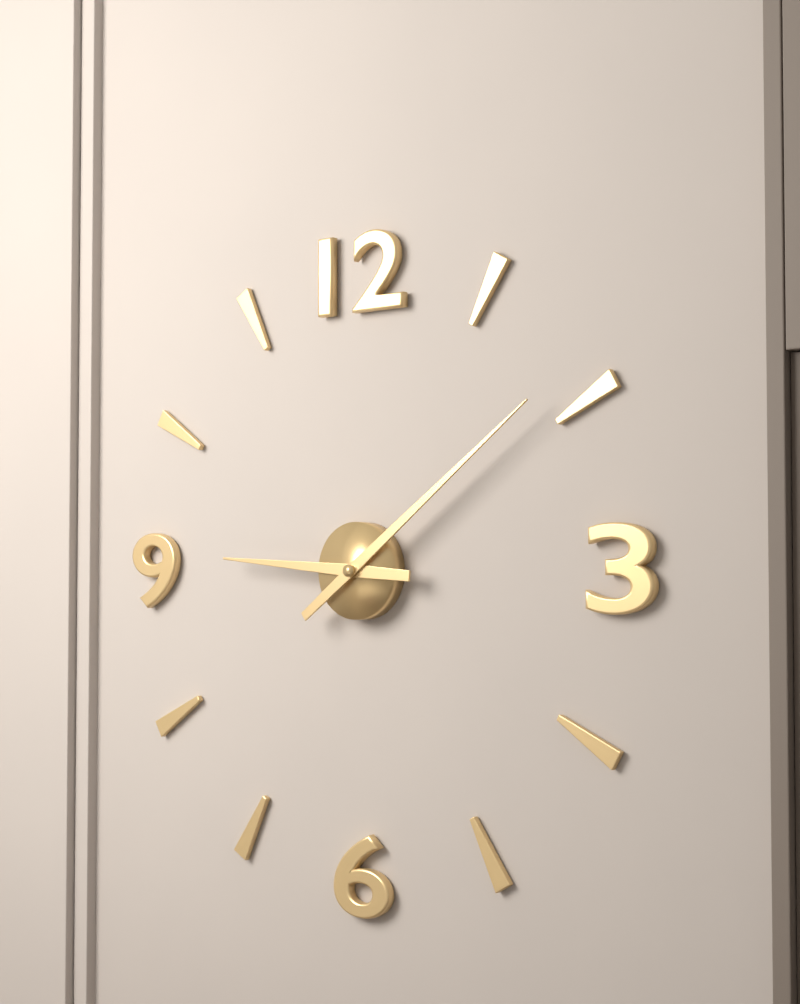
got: h=9 m=9
